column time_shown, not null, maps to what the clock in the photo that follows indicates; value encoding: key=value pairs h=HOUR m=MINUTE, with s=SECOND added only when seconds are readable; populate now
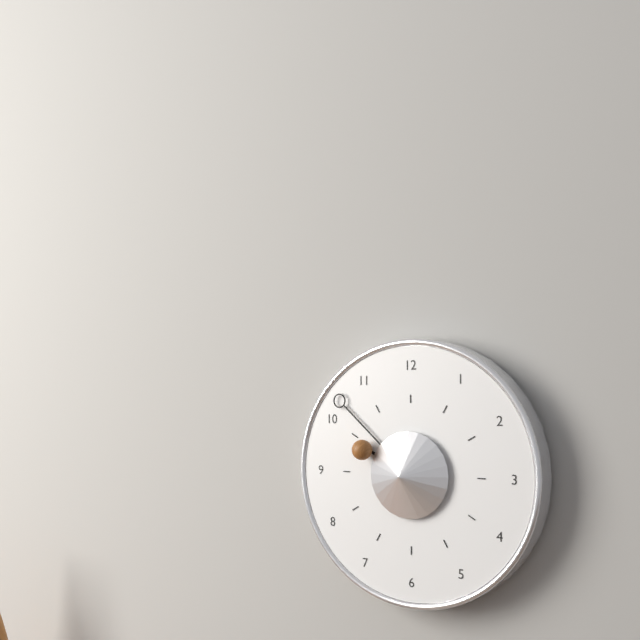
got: h=9 m=52
